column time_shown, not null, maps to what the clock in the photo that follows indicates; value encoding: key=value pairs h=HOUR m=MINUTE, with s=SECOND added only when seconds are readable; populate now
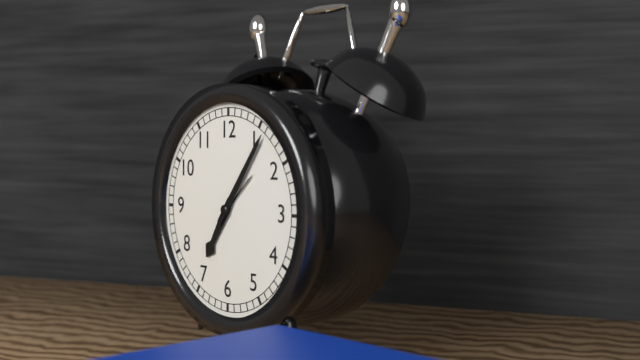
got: h=7 m=6
